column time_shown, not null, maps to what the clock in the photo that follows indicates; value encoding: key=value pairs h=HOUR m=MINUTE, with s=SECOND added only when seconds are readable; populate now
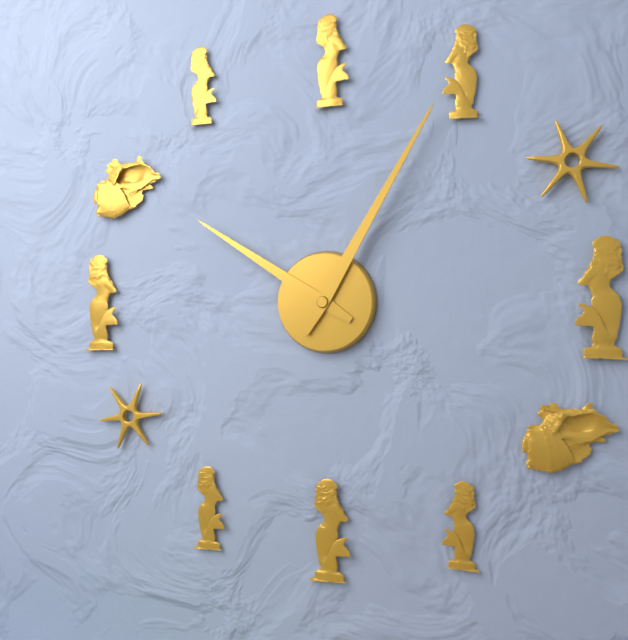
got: h=10 m=5
